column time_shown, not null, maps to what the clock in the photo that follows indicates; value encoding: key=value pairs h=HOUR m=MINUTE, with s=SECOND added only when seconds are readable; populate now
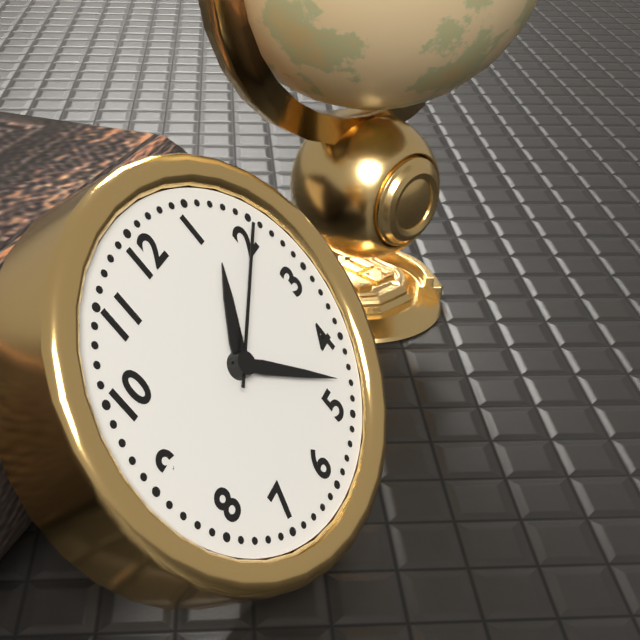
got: h=1 m=23 s=10
